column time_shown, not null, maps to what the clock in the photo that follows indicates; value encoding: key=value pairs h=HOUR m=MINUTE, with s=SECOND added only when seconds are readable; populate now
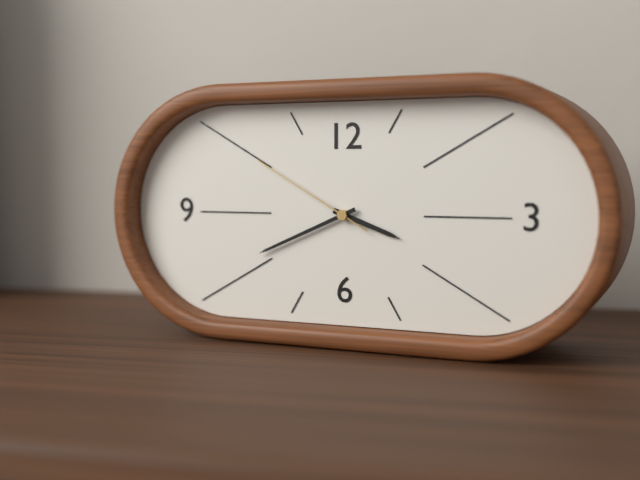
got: h=3 m=41 s=50
